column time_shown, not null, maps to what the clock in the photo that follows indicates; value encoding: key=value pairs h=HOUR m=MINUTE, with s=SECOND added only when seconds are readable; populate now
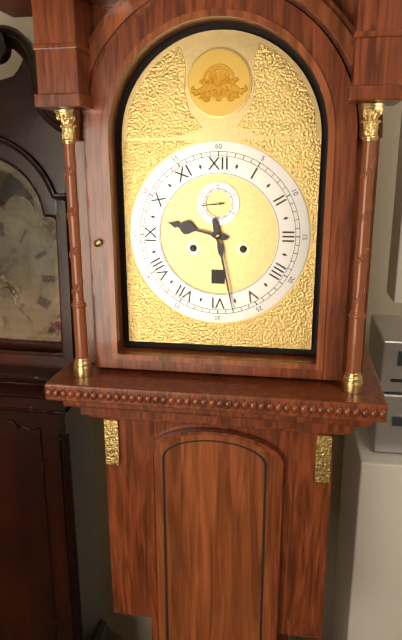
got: h=9 m=28
